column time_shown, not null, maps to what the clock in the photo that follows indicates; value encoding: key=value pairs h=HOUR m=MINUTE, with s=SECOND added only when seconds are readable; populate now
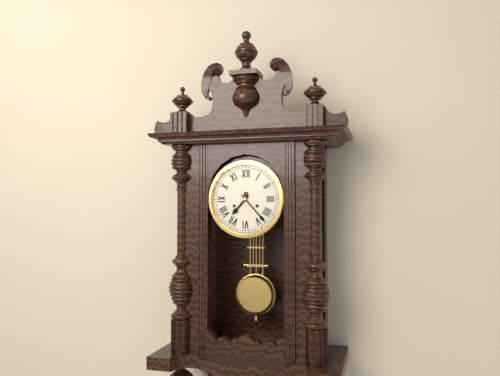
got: h=7 m=23
